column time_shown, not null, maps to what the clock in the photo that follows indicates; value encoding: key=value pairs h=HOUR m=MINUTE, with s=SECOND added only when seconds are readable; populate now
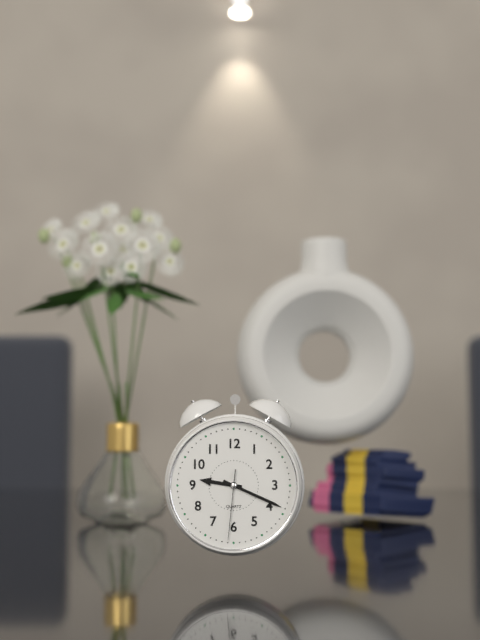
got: h=9 m=19 s=31
